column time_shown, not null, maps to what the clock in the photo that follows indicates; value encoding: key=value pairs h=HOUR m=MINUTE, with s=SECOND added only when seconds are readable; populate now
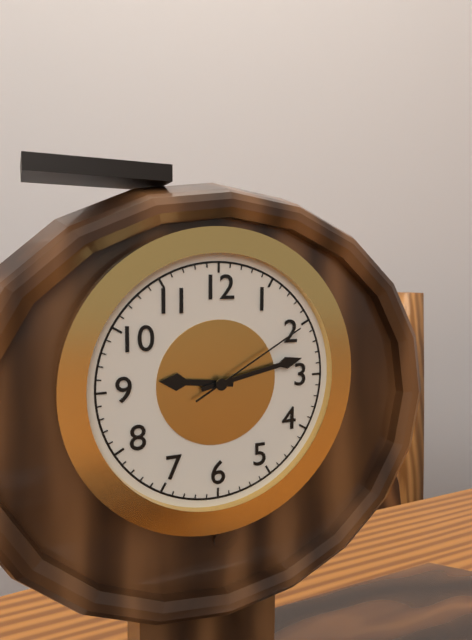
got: h=9 m=13 s=10
